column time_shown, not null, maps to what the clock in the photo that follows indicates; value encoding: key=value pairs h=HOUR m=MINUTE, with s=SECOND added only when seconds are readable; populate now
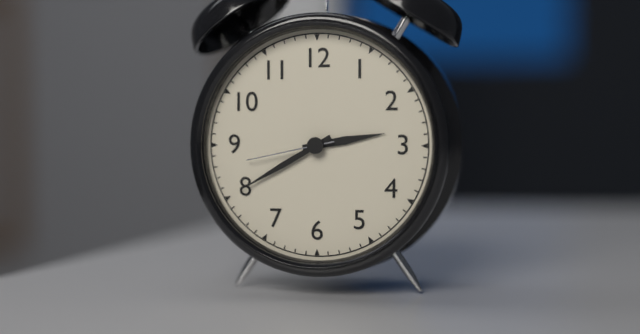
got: h=2 m=40 s=43
